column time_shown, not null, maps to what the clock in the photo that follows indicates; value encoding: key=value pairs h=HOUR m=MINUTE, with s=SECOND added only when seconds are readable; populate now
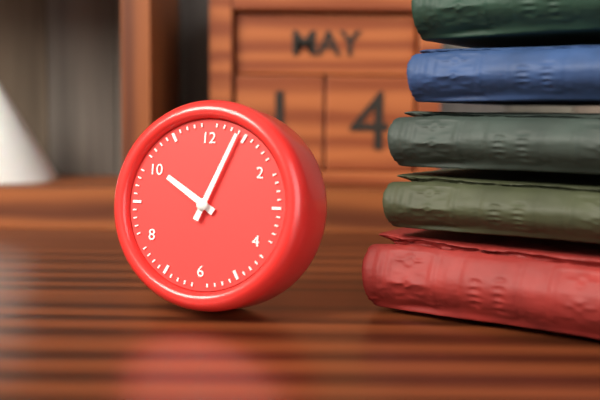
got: h=10 m=4
